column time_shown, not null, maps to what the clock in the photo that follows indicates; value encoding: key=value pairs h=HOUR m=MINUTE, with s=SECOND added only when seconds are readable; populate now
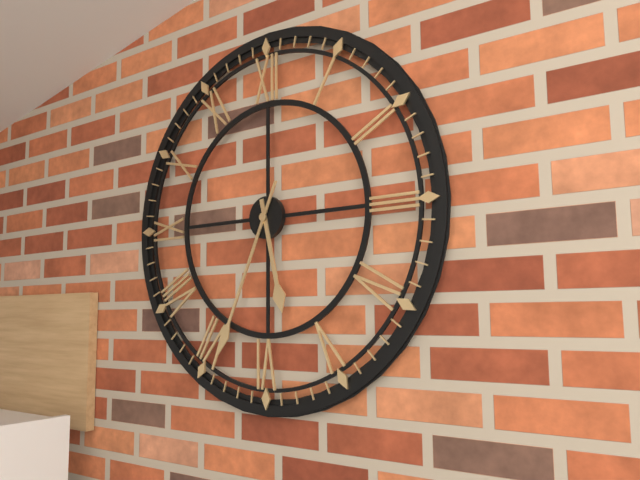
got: h=5 m=34
